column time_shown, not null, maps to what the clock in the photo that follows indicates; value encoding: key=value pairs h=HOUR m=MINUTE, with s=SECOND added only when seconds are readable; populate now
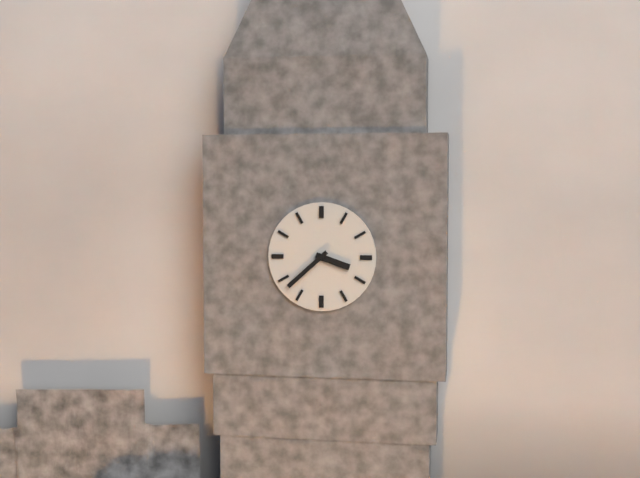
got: h=3 m=38
